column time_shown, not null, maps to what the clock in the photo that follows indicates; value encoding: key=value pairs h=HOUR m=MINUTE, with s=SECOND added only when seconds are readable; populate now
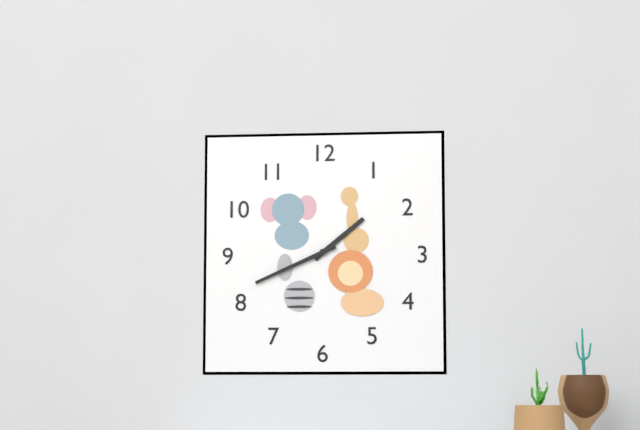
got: h=1 m=41
